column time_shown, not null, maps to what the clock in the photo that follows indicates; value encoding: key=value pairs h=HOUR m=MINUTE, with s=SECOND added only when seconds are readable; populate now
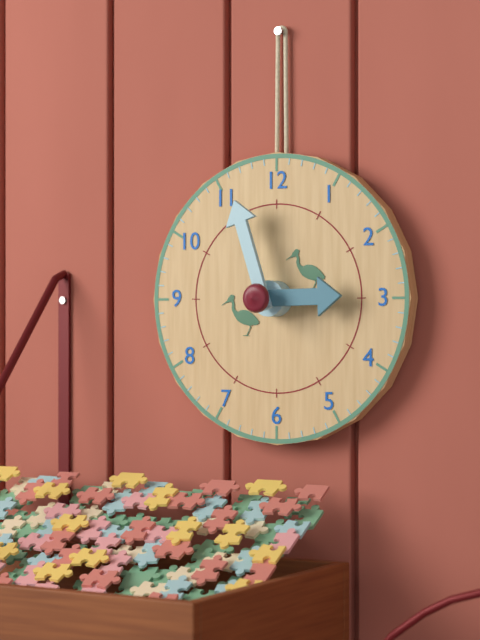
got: h=2 m=57
